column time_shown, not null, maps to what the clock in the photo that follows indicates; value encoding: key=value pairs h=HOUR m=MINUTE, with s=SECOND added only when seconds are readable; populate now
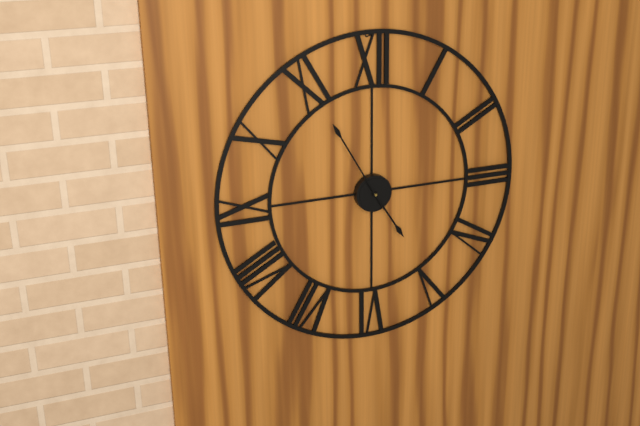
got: h=4 m=55
